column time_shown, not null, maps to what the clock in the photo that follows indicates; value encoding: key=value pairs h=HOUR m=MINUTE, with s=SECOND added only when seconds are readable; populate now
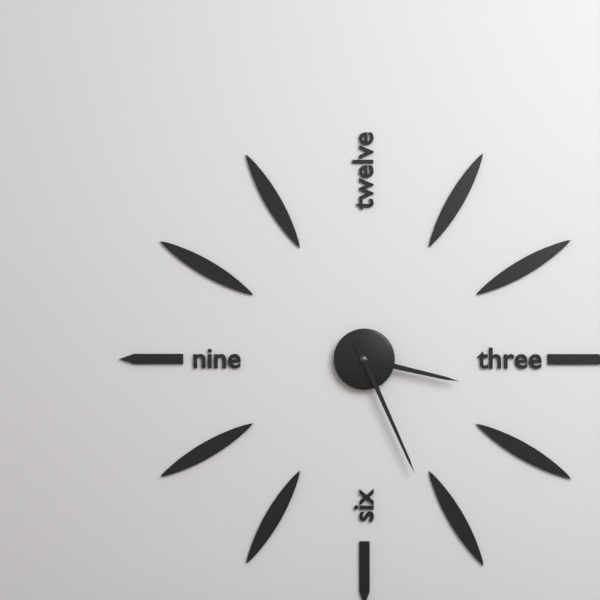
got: h=3 m=26
